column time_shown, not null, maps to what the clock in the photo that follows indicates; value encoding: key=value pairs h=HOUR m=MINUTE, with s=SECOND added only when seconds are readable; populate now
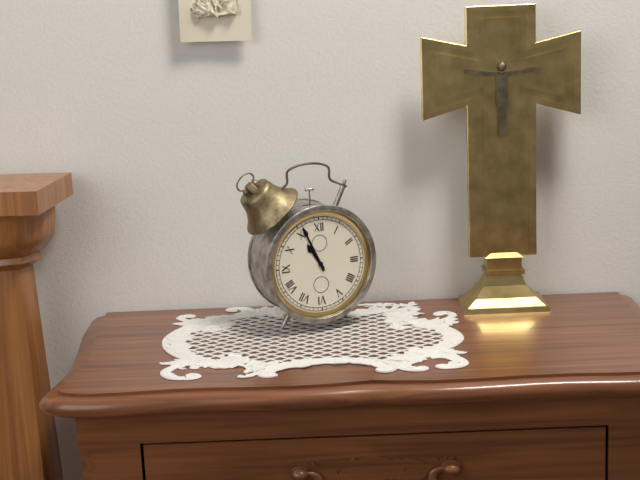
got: h=10 m=56
